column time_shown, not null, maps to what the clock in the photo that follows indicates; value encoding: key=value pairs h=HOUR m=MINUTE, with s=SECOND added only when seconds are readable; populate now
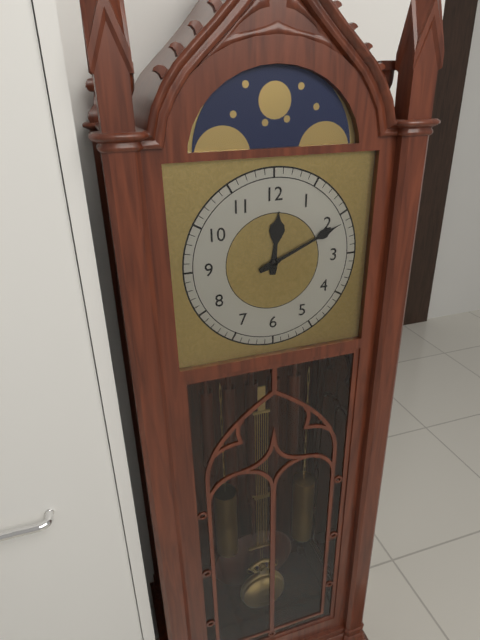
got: h=12 m=11
